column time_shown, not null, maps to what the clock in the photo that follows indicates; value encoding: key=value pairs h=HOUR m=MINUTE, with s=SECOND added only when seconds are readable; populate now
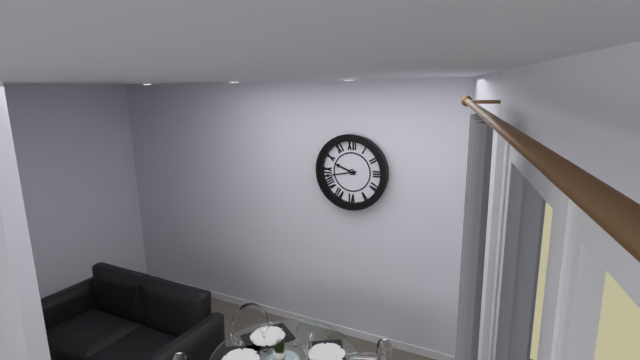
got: h=9 m=43
